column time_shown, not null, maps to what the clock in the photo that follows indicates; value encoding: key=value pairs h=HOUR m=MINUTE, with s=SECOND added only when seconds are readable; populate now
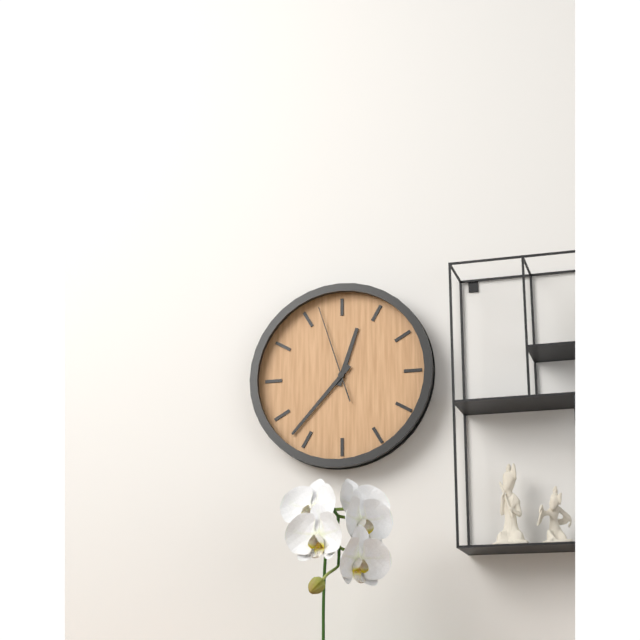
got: h=12 m=37 s=57
